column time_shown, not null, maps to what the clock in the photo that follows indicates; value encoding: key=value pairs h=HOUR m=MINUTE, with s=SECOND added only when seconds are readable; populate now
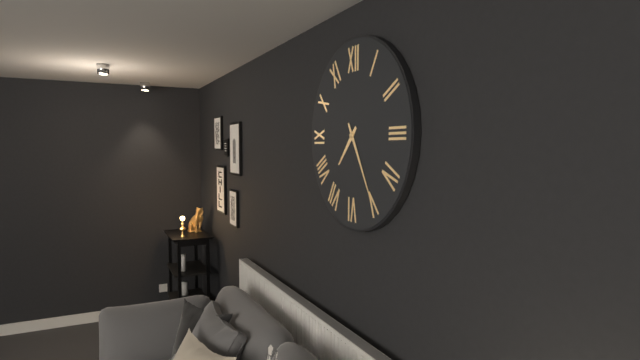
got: h=7 m=25
